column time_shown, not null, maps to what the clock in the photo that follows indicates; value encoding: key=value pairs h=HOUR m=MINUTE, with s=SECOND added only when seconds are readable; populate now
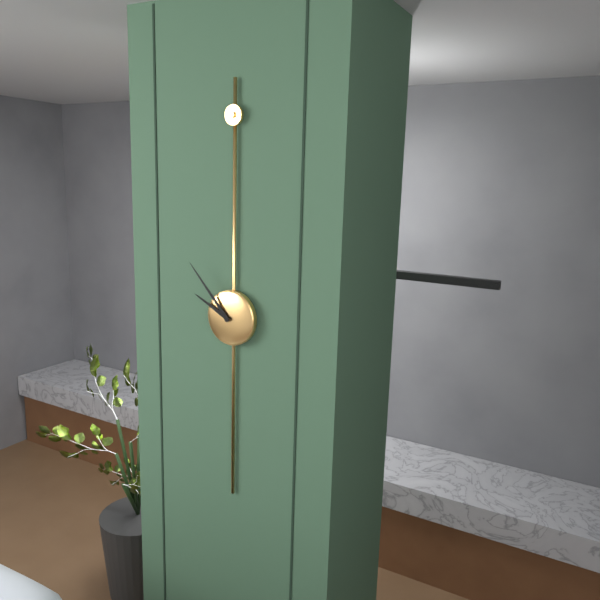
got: h=9 m=53
